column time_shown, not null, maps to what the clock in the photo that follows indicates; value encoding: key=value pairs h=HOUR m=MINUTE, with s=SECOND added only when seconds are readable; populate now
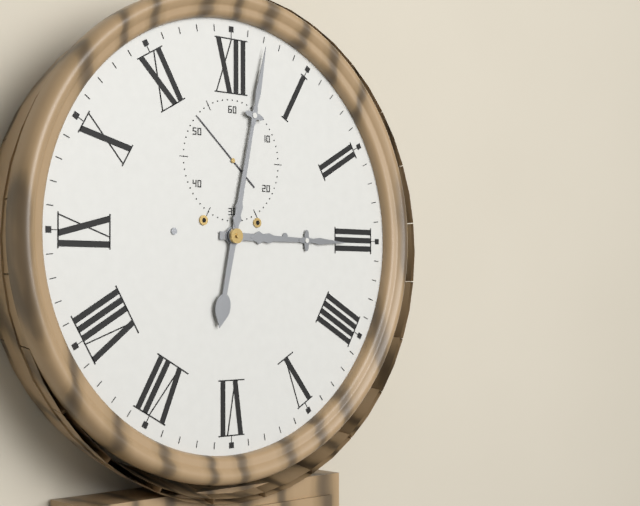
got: h=3 m=2 s=52
